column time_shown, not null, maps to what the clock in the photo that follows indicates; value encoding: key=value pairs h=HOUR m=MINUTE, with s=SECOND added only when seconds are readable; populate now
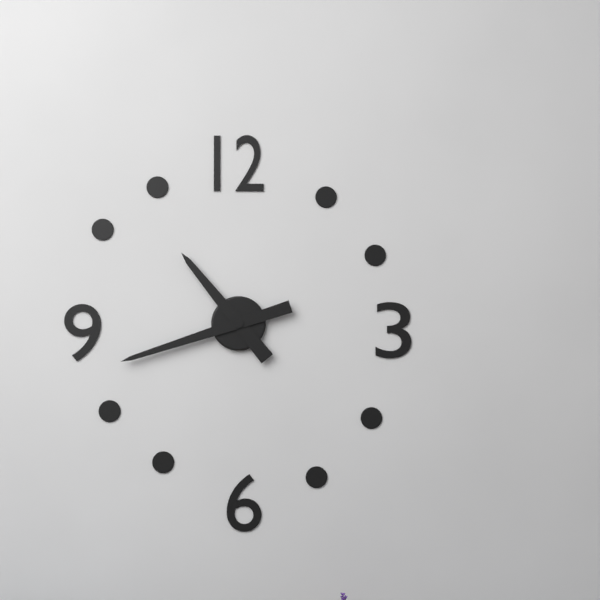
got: h=10 m=42
